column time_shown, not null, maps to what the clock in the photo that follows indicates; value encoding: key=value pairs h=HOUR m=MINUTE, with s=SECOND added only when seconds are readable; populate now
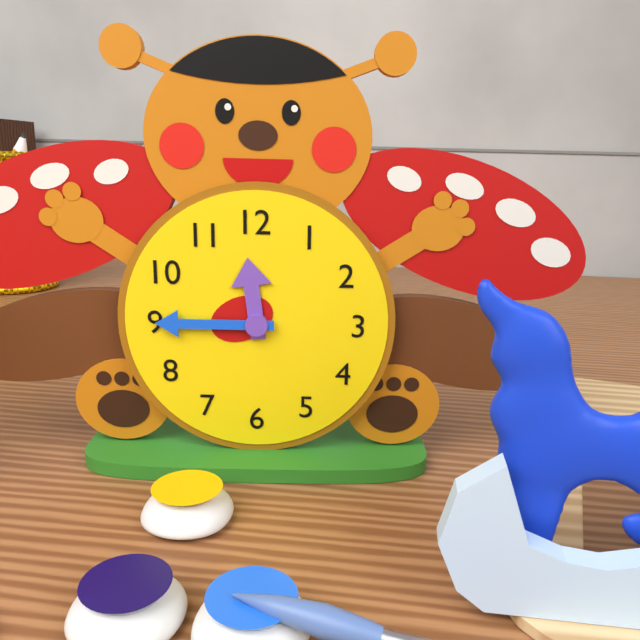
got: h=11 m=45
